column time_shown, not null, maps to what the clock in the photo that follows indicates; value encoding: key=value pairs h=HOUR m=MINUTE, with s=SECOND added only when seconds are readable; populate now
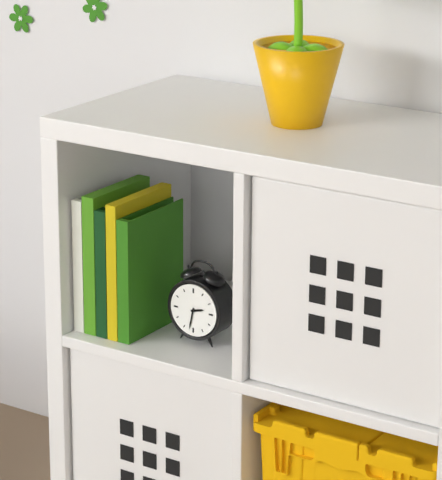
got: h=2 m=32
